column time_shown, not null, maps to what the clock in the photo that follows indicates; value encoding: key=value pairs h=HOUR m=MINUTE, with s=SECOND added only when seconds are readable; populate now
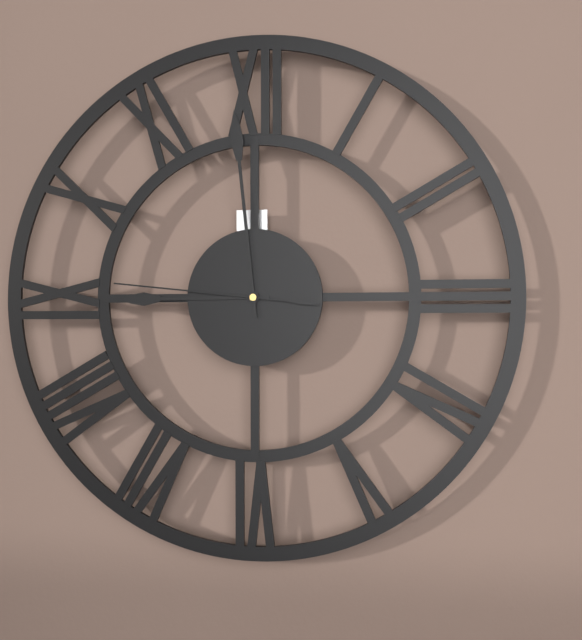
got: h=8 m=59 s=46
